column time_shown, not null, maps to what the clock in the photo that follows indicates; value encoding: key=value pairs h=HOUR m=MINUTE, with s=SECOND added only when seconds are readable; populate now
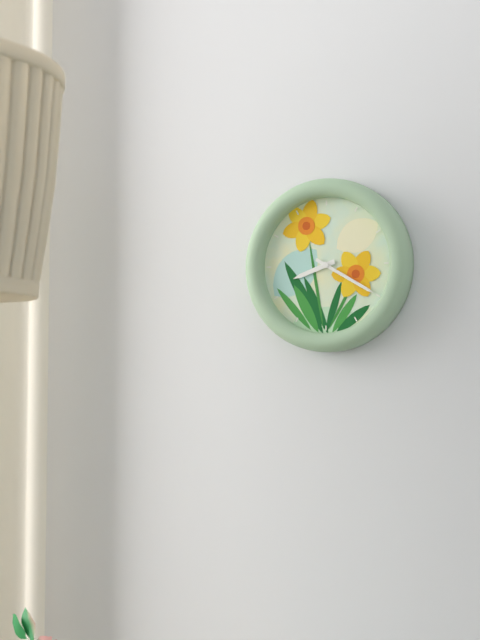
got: h=8 m=20
